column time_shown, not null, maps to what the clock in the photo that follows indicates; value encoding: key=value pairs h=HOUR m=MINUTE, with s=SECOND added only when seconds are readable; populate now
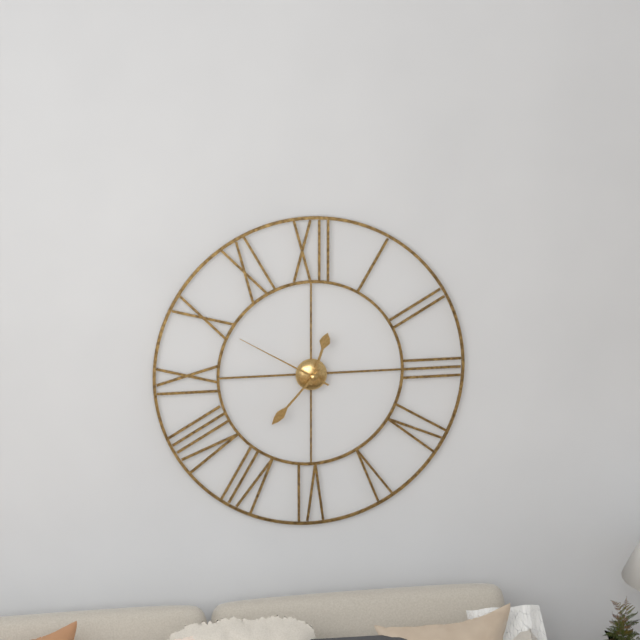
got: h=12 m=37 s=50
